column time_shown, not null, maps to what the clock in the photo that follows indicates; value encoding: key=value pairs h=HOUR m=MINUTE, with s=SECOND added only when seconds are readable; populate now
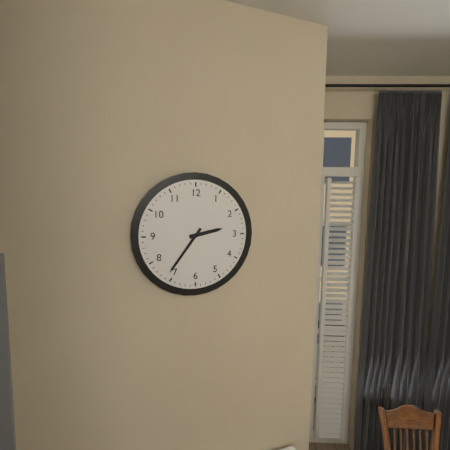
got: h=2 m=36
